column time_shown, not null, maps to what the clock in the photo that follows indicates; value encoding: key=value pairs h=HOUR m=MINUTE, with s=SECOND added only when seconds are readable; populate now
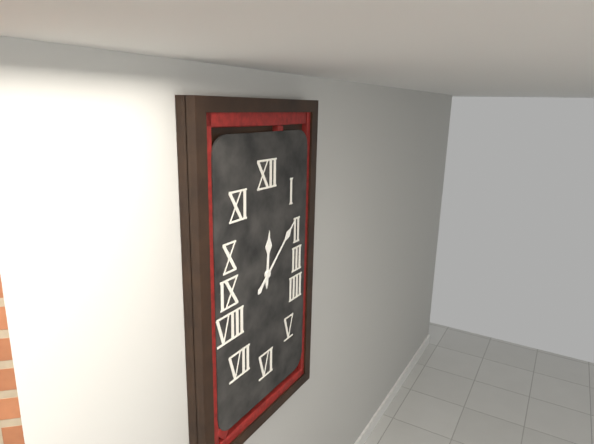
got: h=12 m=8
